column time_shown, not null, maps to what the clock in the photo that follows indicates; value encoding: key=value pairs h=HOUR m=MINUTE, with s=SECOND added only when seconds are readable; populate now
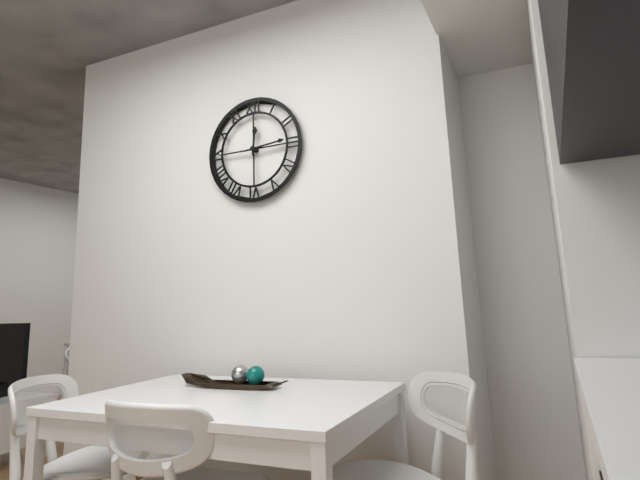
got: h=12 m=14
